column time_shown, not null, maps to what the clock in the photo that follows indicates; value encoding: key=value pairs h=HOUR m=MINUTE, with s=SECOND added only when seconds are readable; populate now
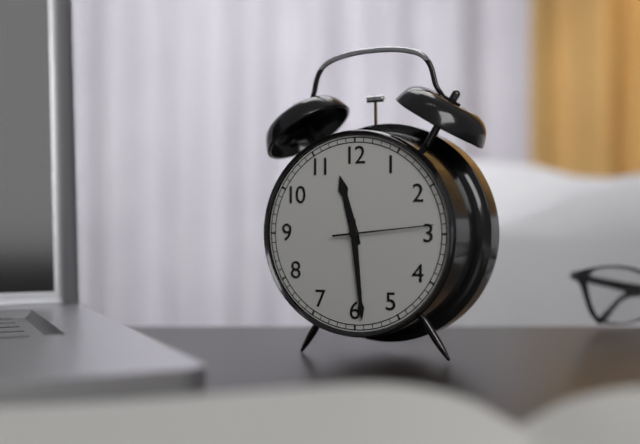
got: h=11 m=29 s=14
